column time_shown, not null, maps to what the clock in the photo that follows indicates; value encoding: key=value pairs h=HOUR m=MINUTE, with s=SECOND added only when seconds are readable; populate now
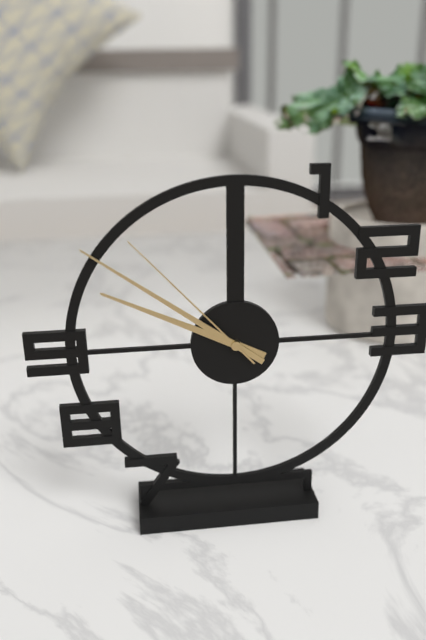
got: h=9 m=51 s=53
